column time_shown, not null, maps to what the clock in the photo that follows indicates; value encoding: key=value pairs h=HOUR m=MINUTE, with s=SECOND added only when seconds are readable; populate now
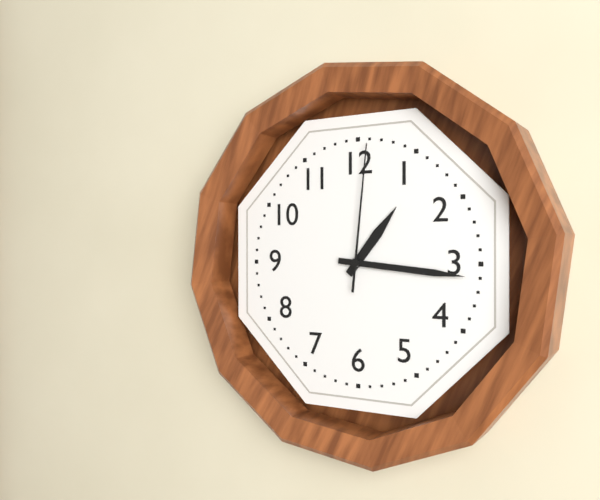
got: h=1 m=16 s=1
